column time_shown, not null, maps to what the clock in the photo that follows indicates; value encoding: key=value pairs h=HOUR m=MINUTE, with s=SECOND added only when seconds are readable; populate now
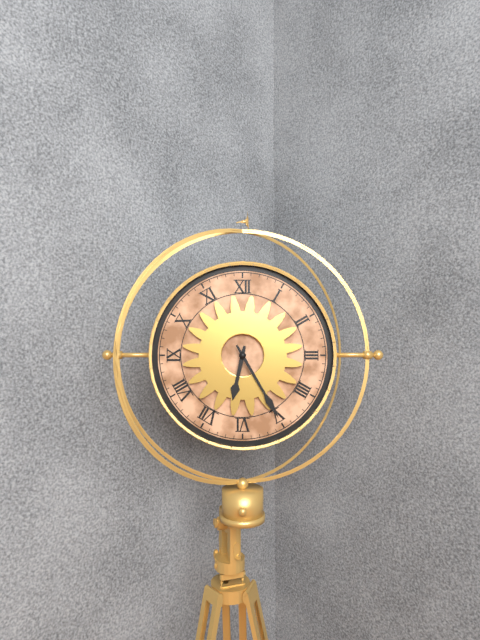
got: h=6 m=25
